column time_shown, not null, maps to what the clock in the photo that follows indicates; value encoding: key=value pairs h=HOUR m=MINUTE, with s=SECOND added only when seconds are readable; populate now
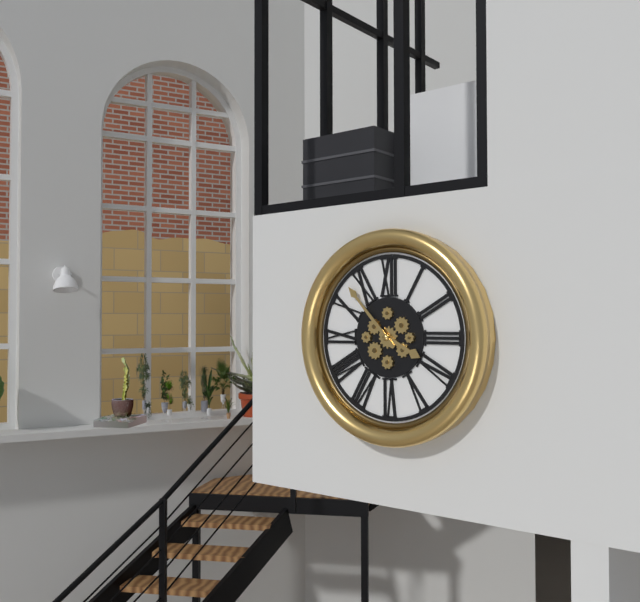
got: h=3 m=53
